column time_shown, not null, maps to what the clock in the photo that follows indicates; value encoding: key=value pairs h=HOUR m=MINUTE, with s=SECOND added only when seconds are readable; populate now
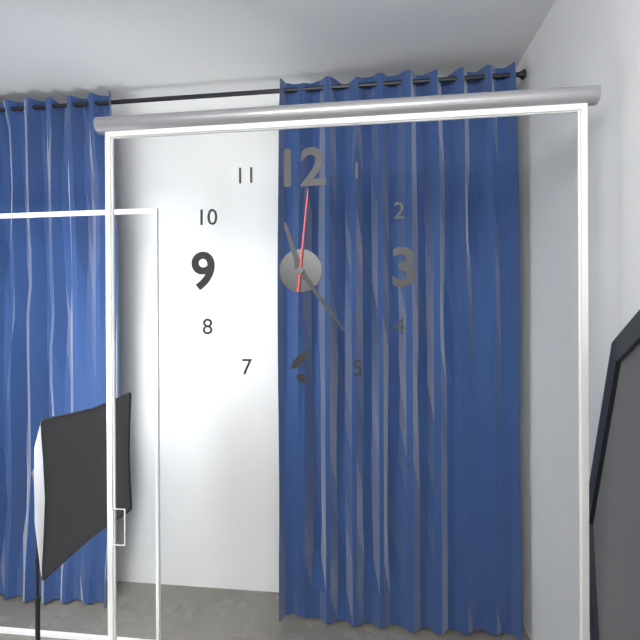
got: h=11 m=24 s=1
